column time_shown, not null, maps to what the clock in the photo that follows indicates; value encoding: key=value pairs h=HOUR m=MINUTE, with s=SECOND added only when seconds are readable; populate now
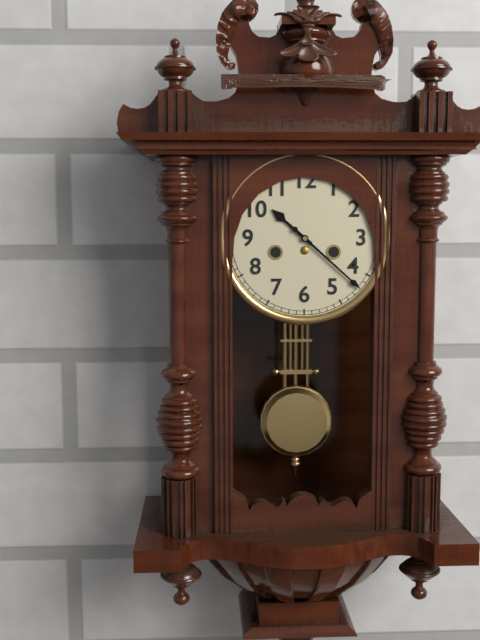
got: h=10 m=22
